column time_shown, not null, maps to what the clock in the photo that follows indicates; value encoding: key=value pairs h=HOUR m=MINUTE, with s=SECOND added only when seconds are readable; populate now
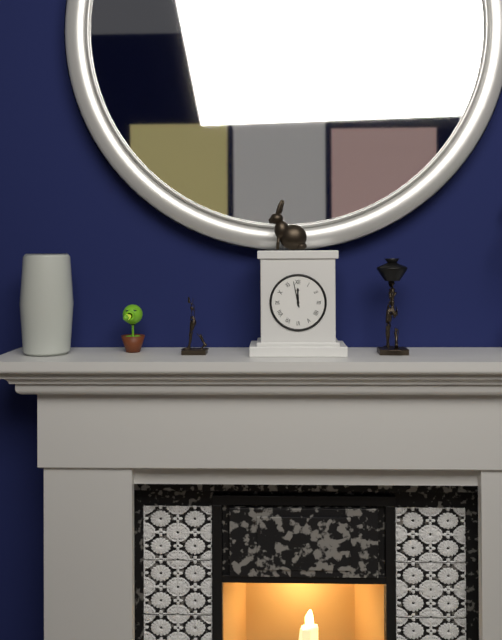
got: h=11 m=58
